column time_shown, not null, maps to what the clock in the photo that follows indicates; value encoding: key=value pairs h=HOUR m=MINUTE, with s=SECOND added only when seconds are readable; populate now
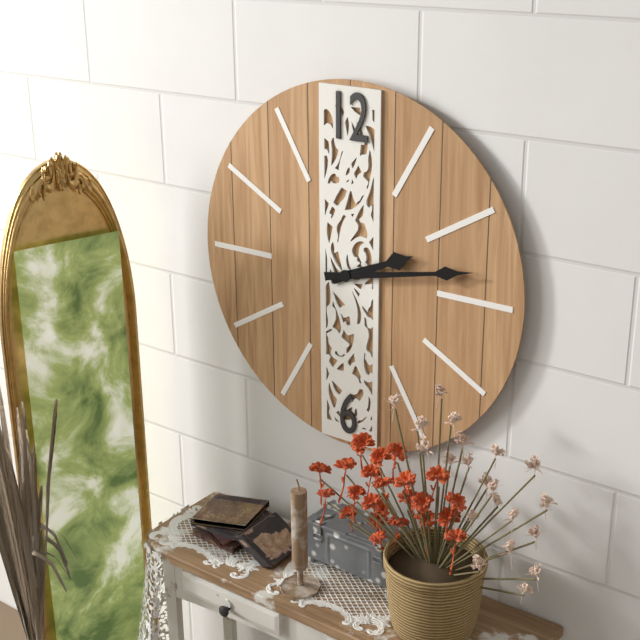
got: h=2 m=13
